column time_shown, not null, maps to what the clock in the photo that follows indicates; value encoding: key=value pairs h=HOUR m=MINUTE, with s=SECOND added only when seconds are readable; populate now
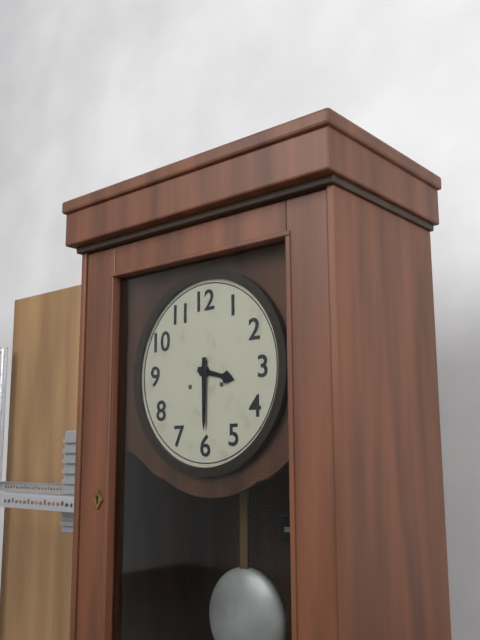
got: h=3 m=30
